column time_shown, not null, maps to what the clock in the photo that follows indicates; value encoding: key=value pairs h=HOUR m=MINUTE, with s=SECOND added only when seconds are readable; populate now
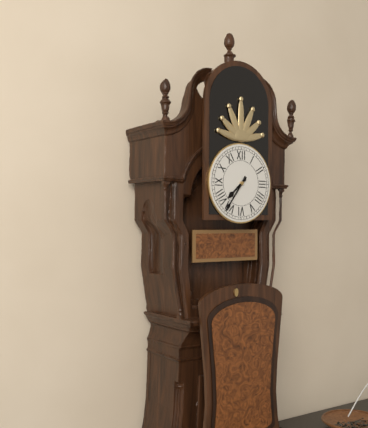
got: h=7 m=36
